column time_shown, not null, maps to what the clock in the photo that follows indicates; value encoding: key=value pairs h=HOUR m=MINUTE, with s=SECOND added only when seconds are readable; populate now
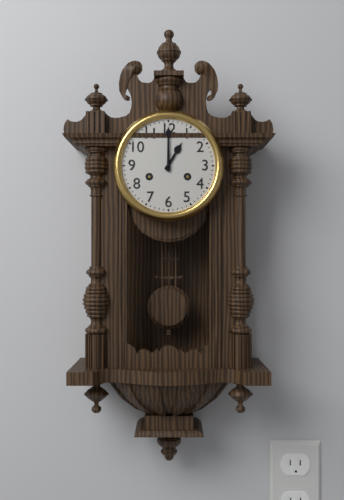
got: h=1 m=0
